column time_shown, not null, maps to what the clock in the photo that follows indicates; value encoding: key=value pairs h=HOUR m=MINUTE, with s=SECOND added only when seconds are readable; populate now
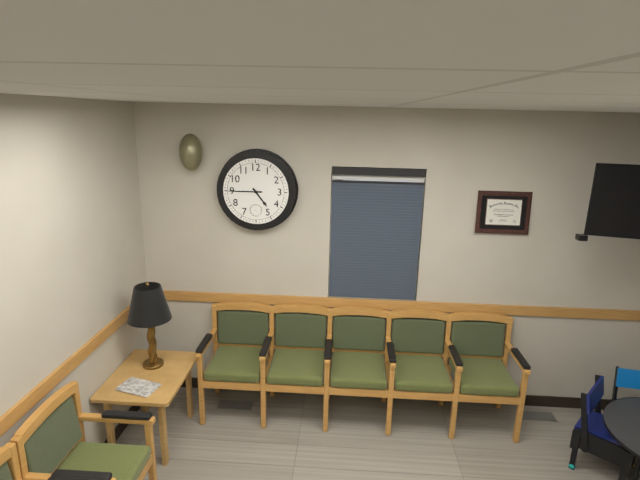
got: h=4 m=45
